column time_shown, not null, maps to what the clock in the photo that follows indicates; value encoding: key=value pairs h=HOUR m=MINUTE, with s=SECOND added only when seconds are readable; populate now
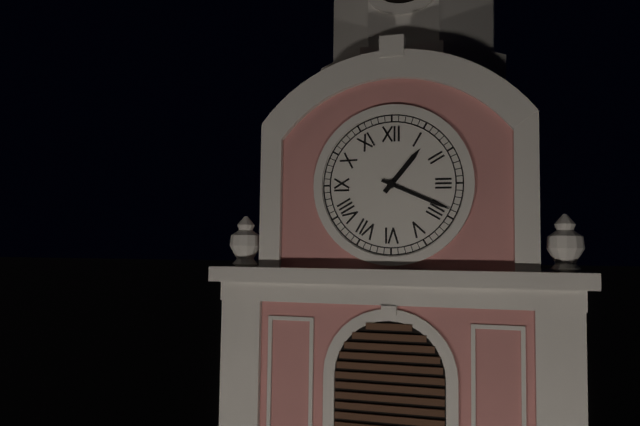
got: h=1 m=19
